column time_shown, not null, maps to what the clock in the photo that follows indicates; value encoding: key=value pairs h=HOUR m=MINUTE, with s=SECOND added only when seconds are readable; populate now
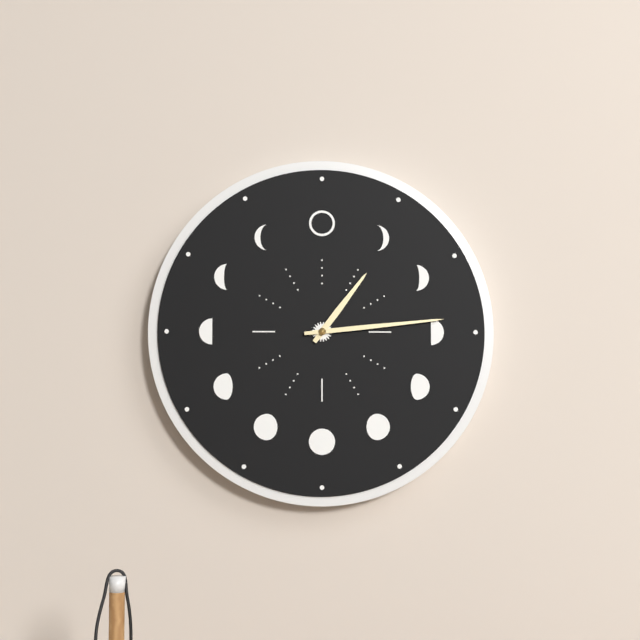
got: h=1 m=14
